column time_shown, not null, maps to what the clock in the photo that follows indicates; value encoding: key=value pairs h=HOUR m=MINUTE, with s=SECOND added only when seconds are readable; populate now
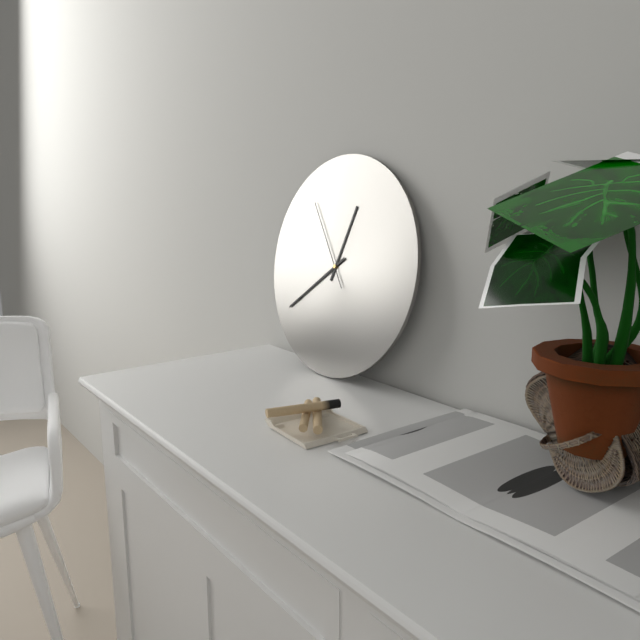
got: h=12 m=39 s=54
